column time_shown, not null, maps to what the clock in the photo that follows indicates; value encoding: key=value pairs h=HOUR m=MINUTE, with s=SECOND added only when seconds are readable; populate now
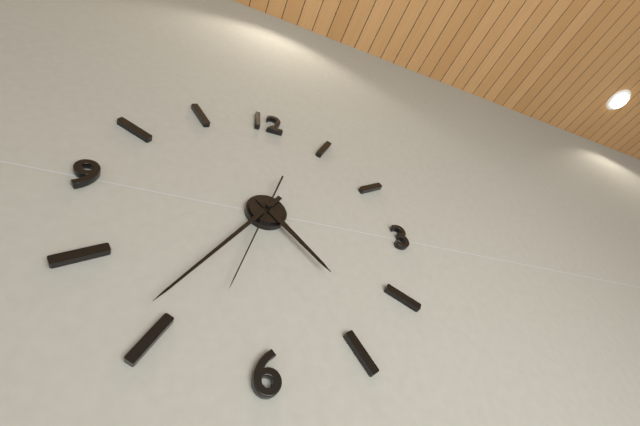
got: h=4 m=36 s=33
